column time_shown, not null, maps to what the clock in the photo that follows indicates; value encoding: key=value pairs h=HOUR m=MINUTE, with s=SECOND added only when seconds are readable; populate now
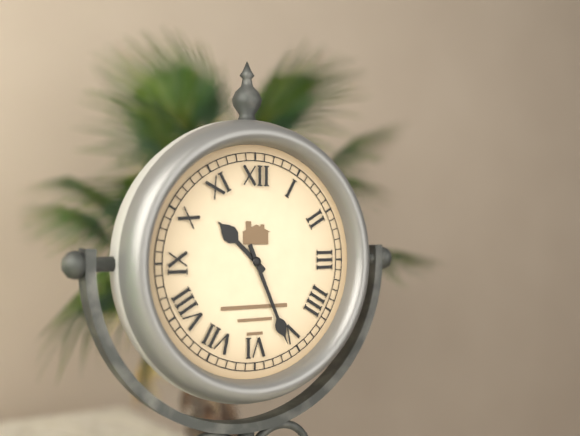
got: h=10 m=26
